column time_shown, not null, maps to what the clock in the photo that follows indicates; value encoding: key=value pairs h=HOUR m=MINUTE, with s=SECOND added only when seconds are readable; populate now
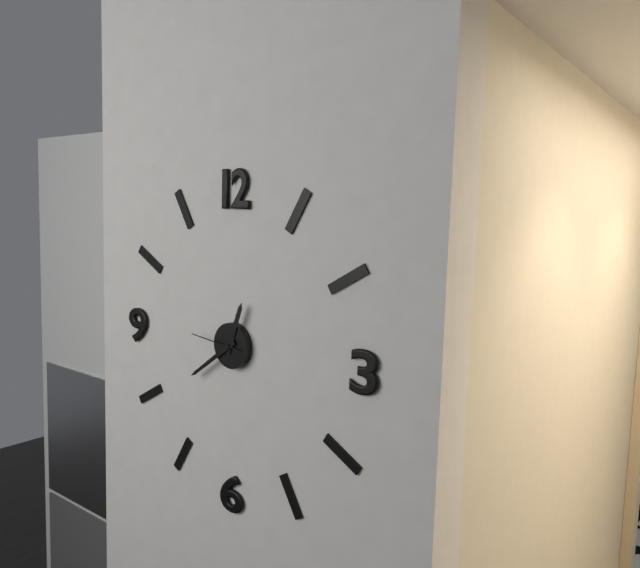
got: h=12 m=39 s=46
